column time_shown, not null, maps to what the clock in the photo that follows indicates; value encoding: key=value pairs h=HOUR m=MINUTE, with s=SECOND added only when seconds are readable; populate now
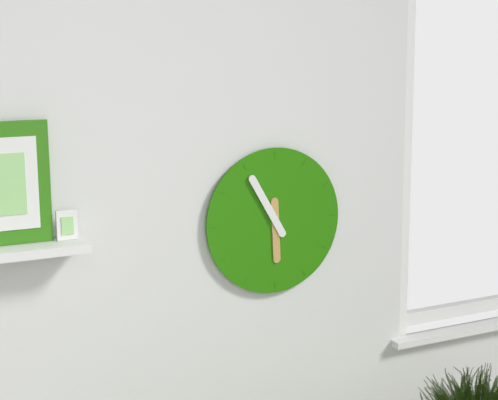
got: h=5 m=55
